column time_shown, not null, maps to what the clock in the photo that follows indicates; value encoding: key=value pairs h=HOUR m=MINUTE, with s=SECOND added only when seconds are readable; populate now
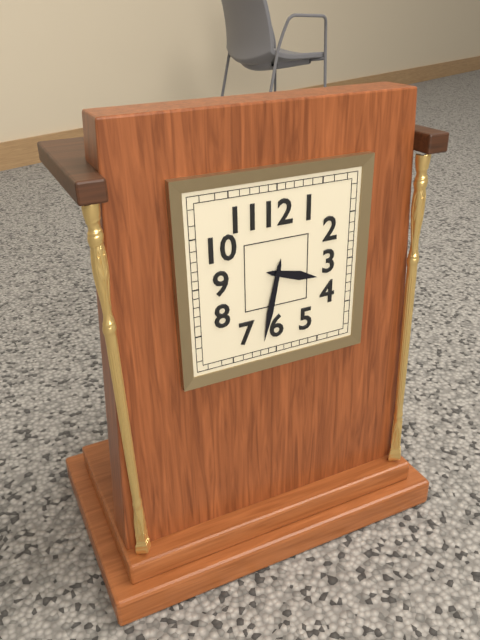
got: h=3 m=32
